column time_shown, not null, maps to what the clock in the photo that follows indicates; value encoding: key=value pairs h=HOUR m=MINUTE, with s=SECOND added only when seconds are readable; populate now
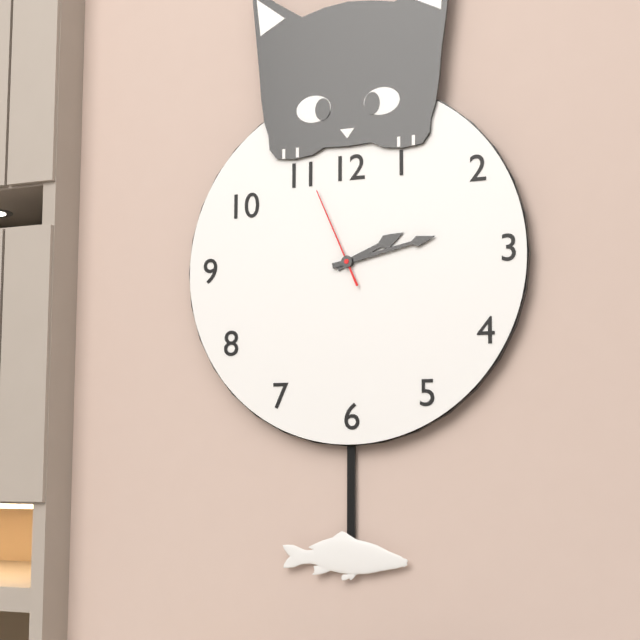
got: h=2 m=13 s=56
